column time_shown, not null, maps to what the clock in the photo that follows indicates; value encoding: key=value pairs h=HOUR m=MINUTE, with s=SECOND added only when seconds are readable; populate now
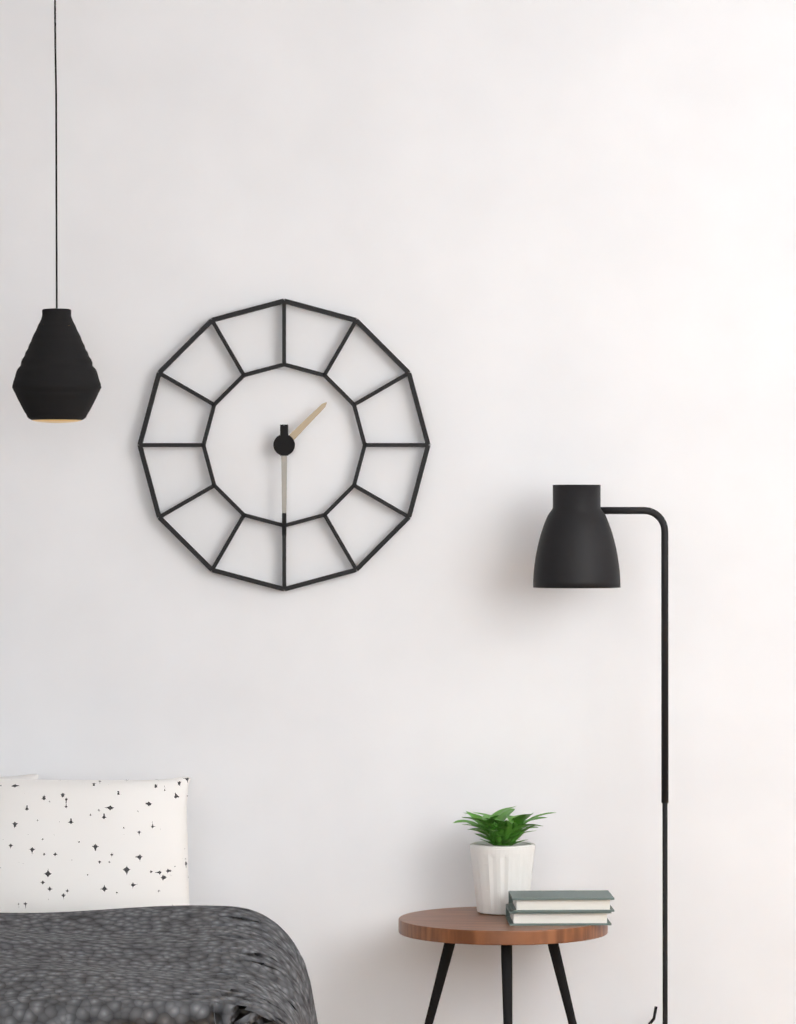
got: h=1 m=30
